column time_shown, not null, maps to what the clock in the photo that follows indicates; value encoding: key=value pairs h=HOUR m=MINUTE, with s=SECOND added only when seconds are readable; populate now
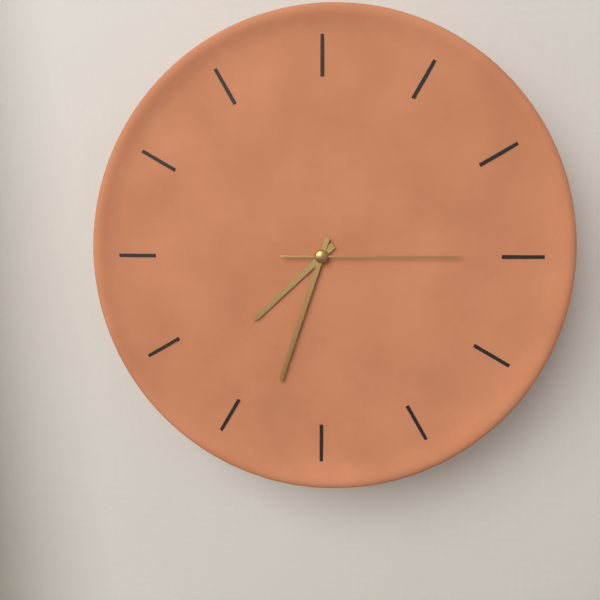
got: h=7 m=33 s=15
